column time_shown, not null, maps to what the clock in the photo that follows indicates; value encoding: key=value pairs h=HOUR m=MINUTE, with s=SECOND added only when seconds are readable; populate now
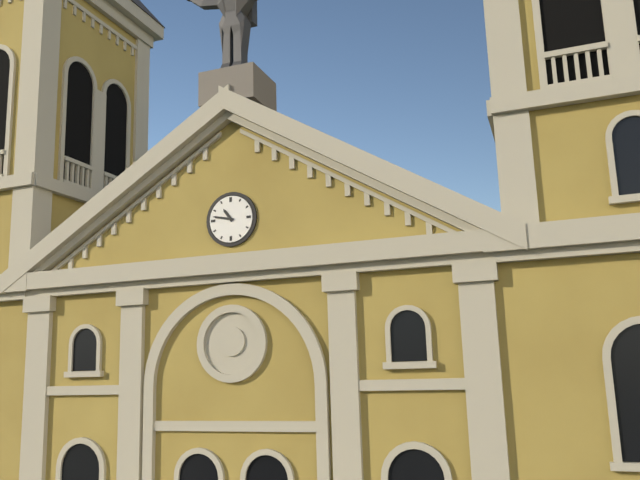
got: h=10 m=47
